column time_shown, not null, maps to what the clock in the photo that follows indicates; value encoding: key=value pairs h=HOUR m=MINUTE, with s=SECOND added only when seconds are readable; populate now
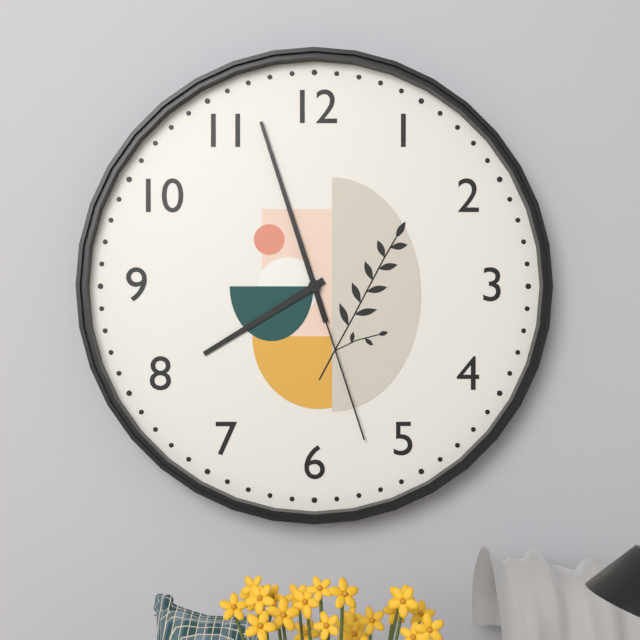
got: h=7 m=57 s=27
